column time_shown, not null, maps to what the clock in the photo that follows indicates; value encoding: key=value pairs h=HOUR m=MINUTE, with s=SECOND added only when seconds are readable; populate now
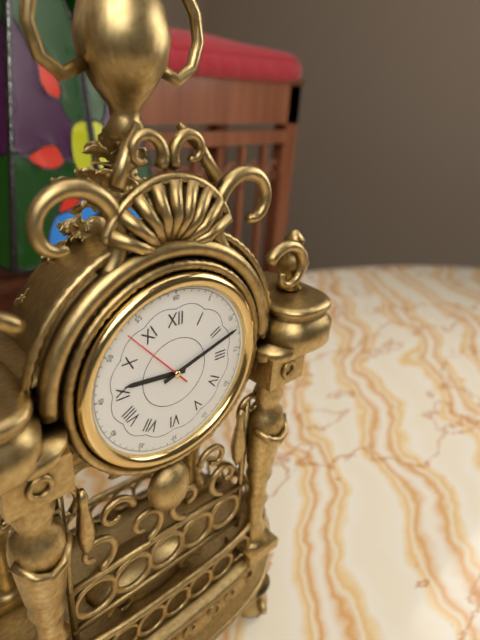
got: h=9 m=12 s=53
